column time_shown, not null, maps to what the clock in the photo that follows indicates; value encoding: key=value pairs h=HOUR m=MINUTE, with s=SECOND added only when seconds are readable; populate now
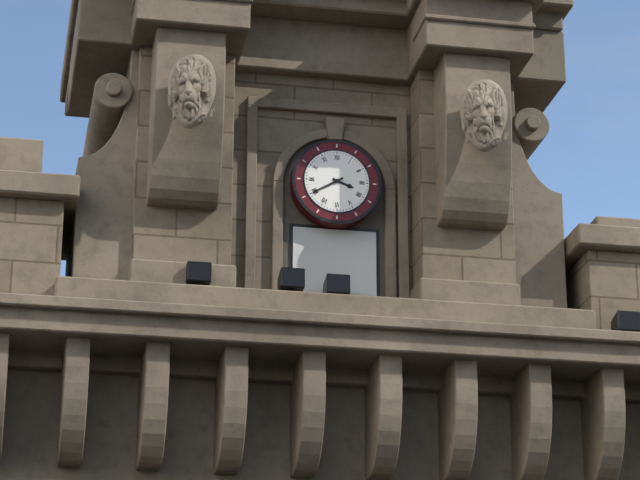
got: h=3 m=40
